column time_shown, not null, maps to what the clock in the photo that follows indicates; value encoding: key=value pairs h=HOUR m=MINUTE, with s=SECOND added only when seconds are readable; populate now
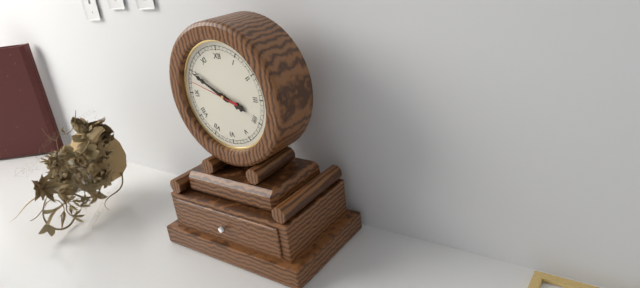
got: h=3 m=50
